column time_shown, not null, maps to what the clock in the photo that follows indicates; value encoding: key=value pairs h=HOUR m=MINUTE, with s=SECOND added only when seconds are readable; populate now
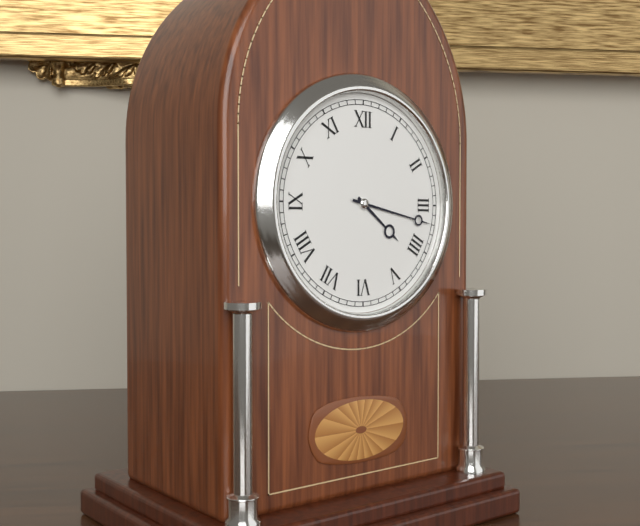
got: h=4 m=17
